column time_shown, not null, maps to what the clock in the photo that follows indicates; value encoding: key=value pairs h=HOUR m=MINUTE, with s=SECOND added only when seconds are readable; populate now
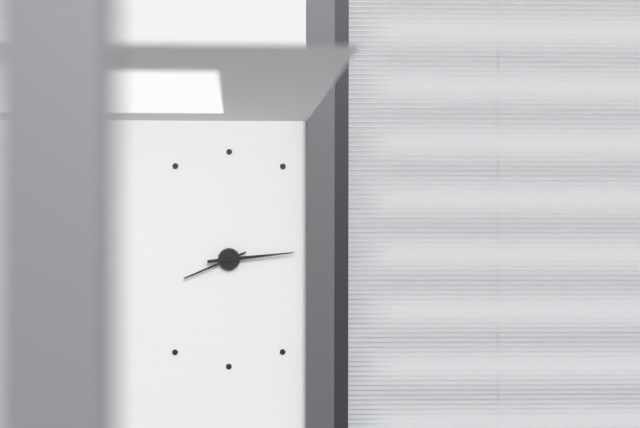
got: h=8 m=14
